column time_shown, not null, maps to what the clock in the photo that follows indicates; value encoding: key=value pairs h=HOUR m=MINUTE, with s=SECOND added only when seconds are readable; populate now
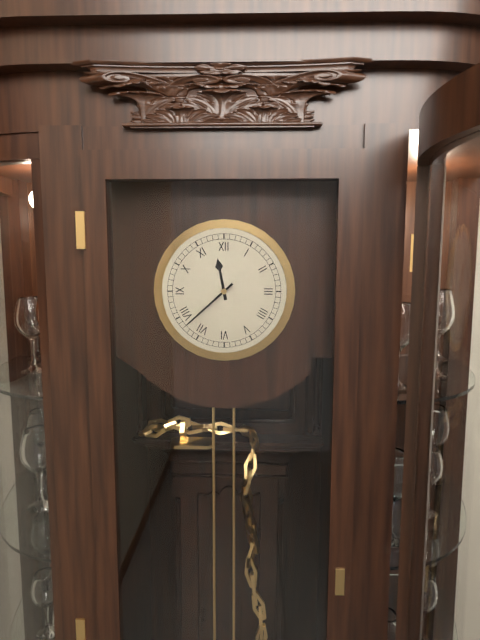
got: h=11 m=38
